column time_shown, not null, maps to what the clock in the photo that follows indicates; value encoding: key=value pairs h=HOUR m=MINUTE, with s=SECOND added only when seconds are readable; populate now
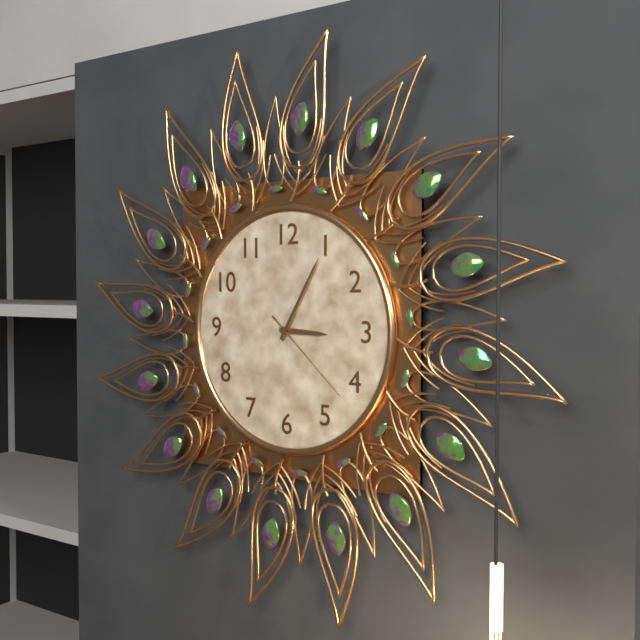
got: h=3 m=5 s=22
